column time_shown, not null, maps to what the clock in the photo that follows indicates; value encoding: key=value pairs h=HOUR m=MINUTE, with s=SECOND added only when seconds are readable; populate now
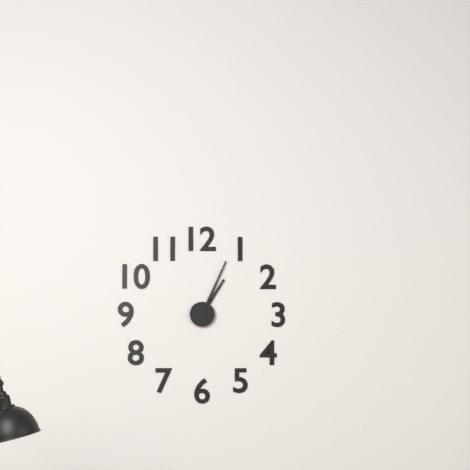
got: h=1 m=4
